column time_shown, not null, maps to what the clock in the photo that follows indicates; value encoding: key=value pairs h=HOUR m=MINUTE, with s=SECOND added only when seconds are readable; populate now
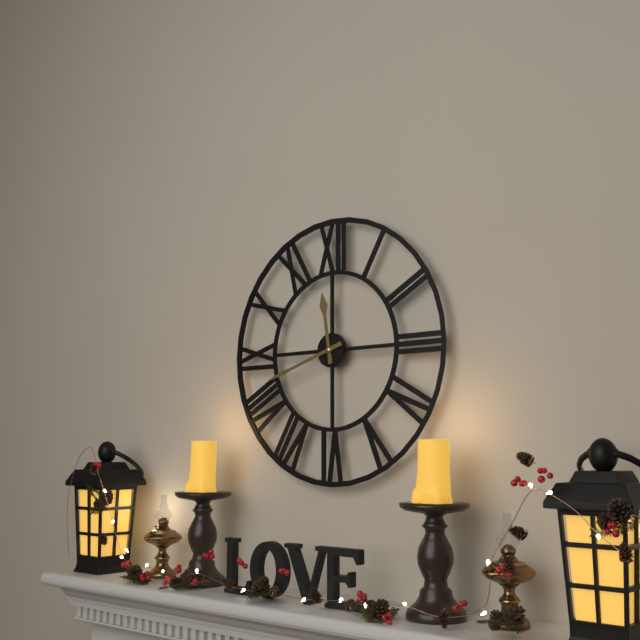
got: h=11 m=42
